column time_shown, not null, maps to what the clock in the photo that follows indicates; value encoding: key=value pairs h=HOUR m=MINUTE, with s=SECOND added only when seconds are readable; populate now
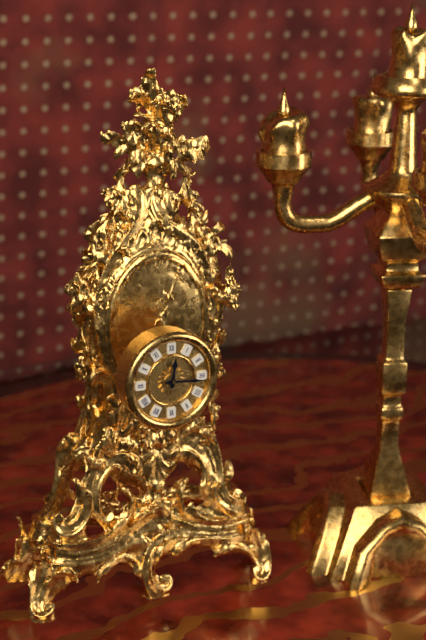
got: h=12 m=16
